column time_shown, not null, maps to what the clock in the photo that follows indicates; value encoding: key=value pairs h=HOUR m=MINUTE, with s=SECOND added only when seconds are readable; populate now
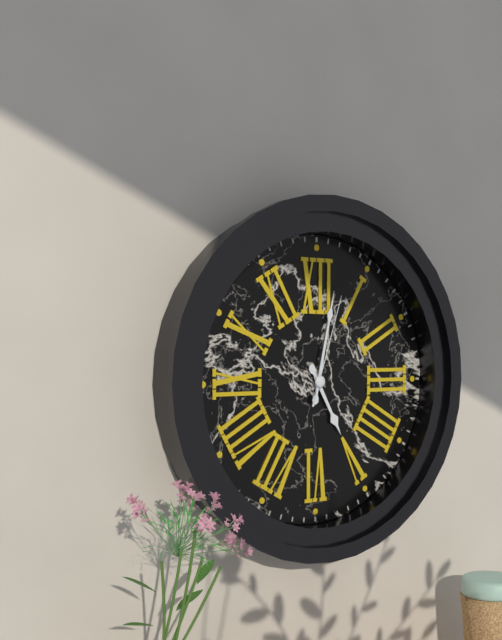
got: h=5 m=2 s=3
